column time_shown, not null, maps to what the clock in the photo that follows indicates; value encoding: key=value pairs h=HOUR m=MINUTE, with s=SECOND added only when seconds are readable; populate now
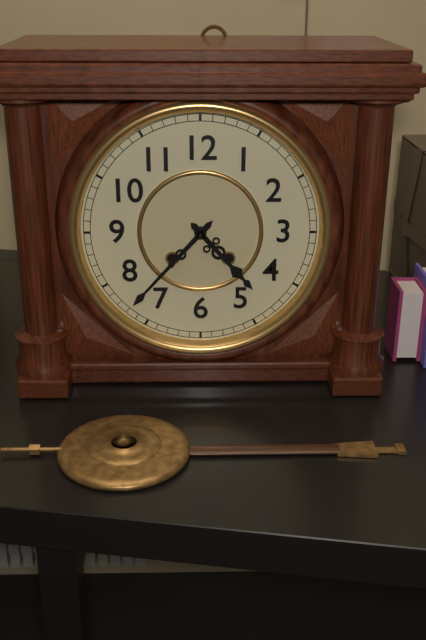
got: h=4 m=37
